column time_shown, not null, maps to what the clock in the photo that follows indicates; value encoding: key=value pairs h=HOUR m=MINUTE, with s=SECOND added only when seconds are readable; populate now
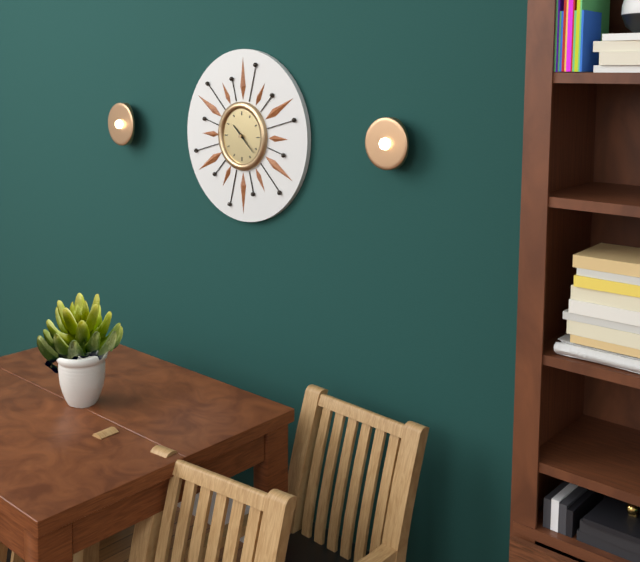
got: h=10 m=22
